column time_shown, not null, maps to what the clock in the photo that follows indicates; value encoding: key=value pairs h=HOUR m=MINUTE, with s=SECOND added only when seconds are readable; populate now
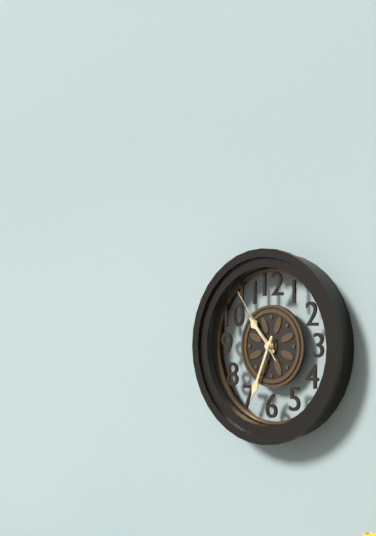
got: h=10 m=34 s=54
